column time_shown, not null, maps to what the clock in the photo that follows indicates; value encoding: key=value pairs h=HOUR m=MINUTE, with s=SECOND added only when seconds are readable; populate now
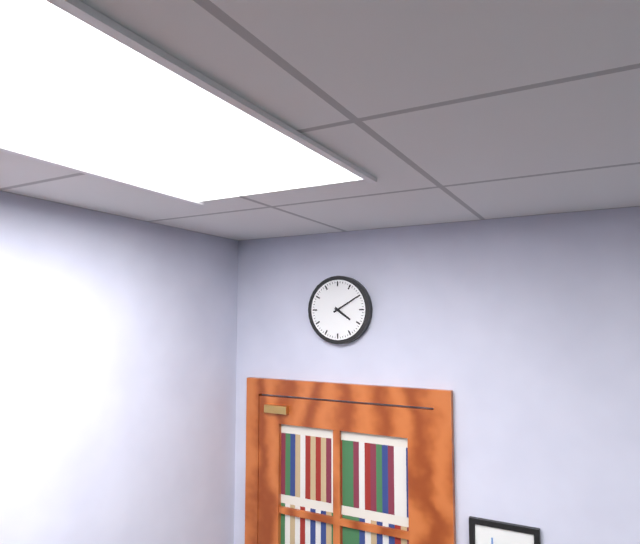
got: h=4 m=10
